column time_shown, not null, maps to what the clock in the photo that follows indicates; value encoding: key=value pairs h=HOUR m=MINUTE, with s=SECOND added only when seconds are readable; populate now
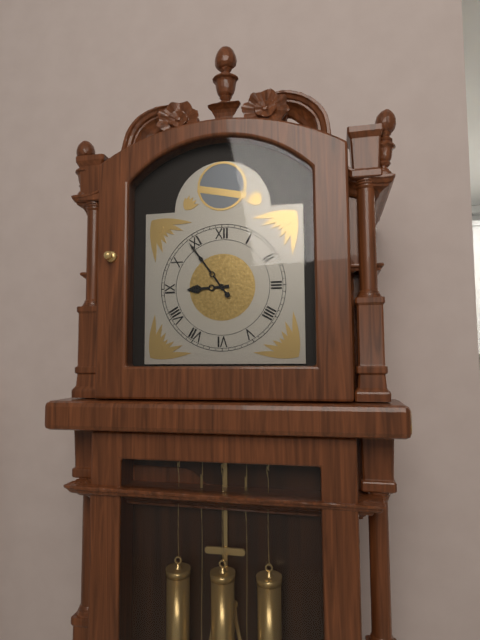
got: h=8 m=54
